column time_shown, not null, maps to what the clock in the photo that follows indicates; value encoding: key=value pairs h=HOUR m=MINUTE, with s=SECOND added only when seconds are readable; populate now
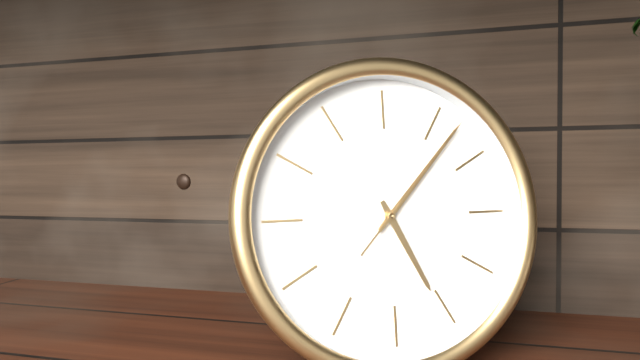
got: h=5 m=7 s=7
